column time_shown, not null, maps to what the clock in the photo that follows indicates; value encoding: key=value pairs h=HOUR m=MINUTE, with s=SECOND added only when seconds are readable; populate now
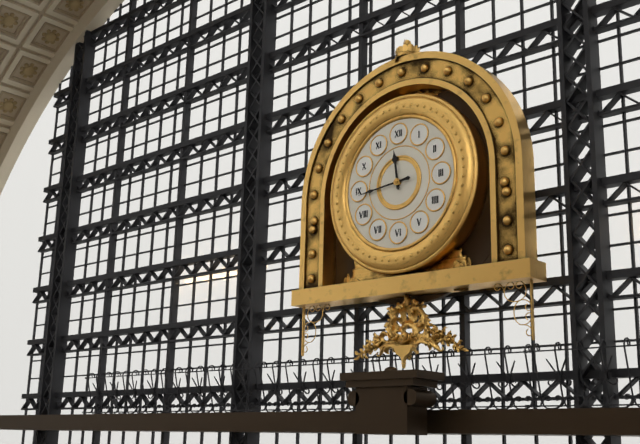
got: h=11 m=44
